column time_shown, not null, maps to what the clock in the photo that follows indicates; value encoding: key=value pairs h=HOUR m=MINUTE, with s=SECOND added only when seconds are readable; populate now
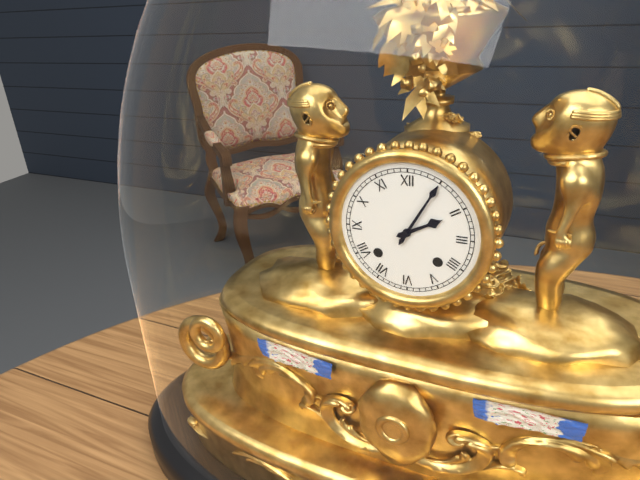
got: h=2 m=5
